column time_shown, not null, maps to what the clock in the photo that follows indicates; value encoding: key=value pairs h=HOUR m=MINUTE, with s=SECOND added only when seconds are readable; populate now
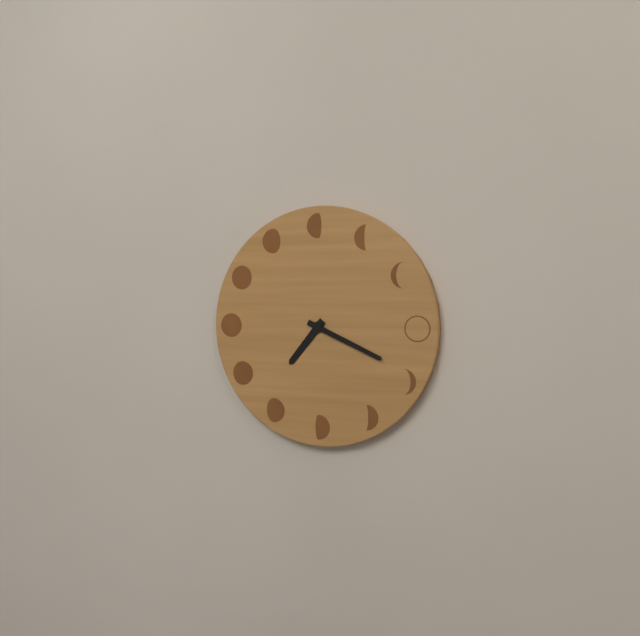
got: h=7 m=19
